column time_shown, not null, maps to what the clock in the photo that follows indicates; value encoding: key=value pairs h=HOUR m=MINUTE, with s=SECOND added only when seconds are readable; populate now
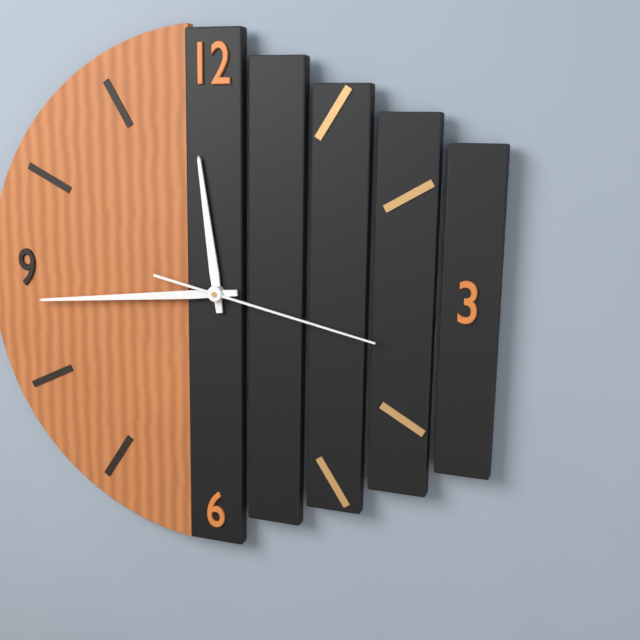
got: h=11 m=44 s=17
